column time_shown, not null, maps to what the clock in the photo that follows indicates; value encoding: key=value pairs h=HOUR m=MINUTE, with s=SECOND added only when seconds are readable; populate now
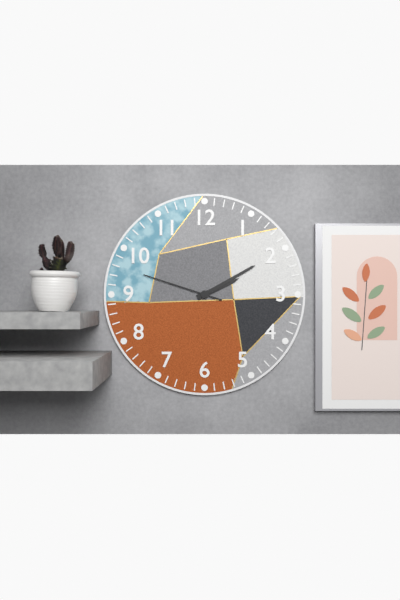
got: h=2 m=10 s=48
